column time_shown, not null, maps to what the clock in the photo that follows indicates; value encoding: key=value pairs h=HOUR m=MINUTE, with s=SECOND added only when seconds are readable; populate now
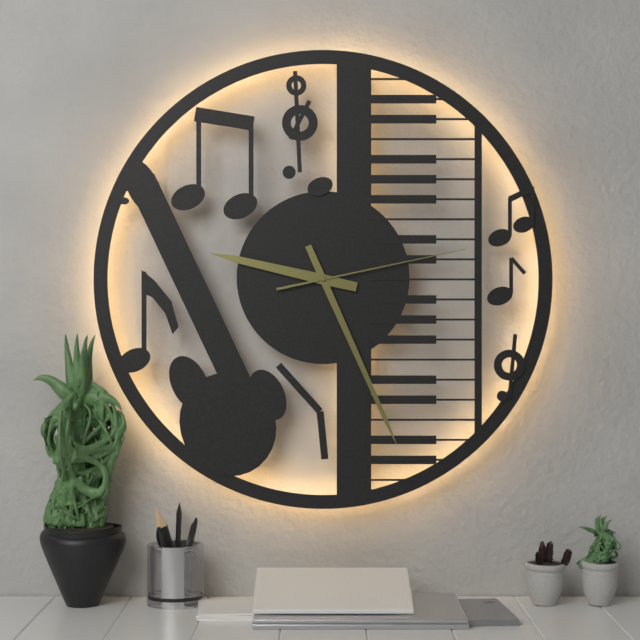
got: h=9 m=26 s=13
